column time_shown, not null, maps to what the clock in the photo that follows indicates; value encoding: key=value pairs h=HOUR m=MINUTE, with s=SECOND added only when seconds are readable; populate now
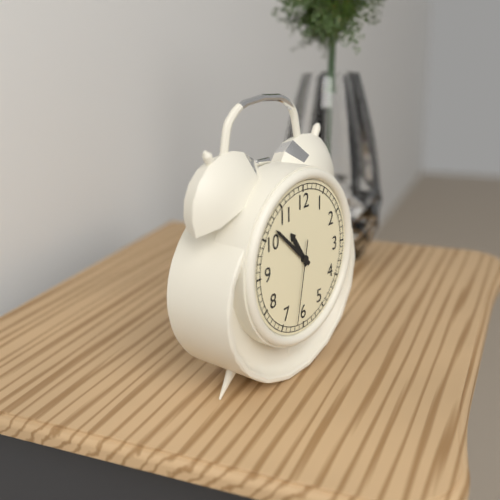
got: h=10 m=52 s=32
